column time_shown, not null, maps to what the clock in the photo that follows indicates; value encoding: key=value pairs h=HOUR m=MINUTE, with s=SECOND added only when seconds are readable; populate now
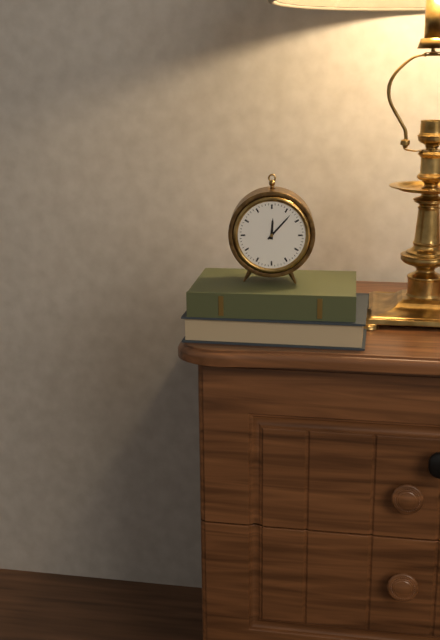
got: h=12 m=7
